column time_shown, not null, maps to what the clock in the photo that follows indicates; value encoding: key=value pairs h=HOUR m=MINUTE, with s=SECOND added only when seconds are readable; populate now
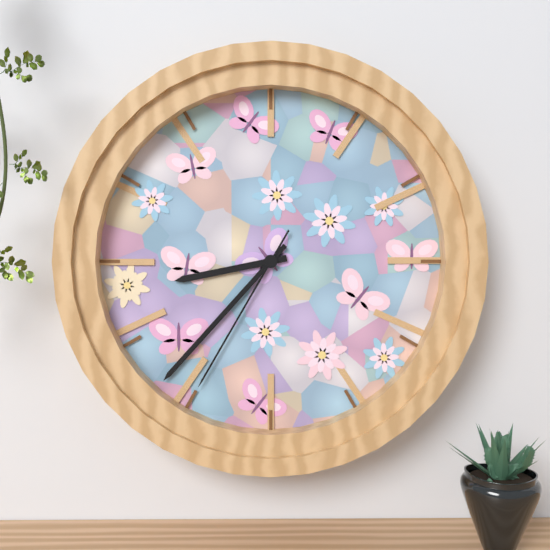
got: h=8 m=37 s=35
